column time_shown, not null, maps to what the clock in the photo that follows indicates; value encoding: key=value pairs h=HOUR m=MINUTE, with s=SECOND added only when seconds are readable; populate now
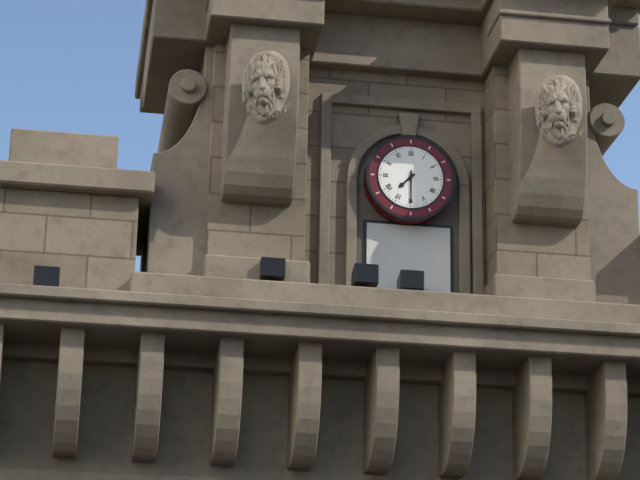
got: h=7 m=30
